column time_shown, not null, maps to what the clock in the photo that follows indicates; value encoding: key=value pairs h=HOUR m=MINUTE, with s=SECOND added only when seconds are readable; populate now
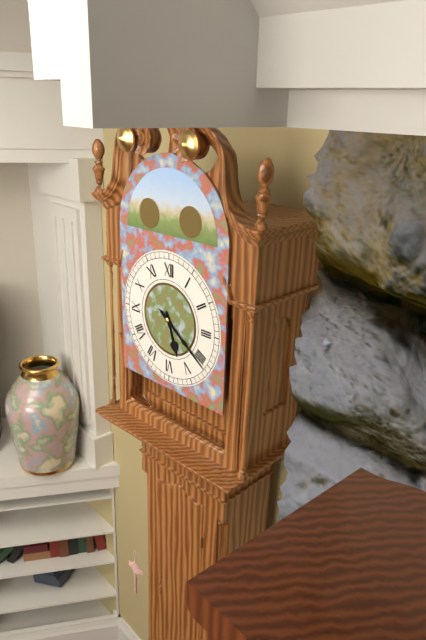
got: h=5 m=21
